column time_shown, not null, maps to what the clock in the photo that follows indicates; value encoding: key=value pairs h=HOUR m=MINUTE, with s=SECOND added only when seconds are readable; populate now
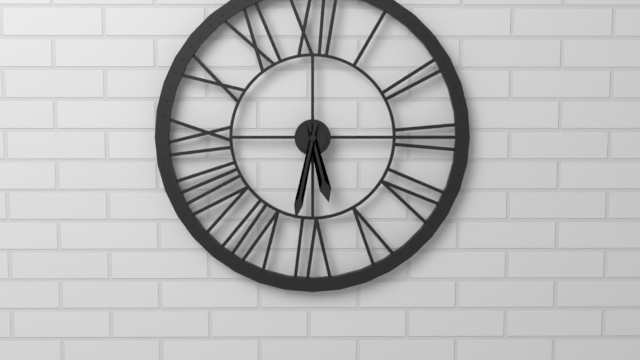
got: h=5 m=32
